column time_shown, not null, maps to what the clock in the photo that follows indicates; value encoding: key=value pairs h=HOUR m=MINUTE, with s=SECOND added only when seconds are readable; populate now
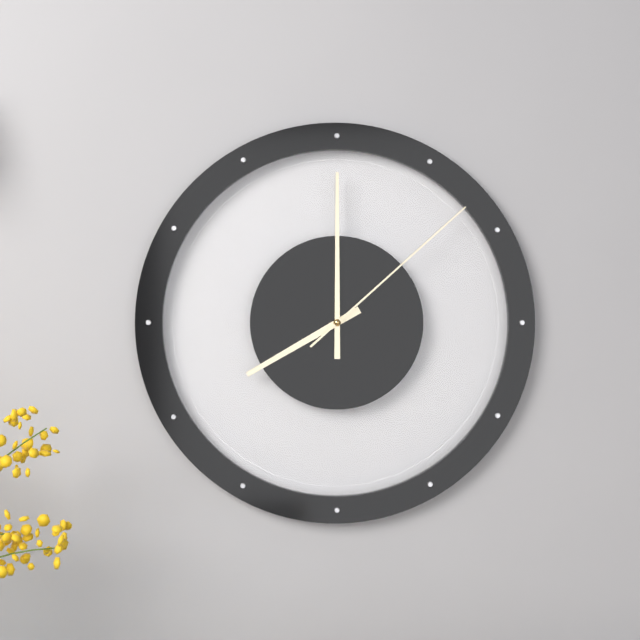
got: h=8 m=0 s=8
